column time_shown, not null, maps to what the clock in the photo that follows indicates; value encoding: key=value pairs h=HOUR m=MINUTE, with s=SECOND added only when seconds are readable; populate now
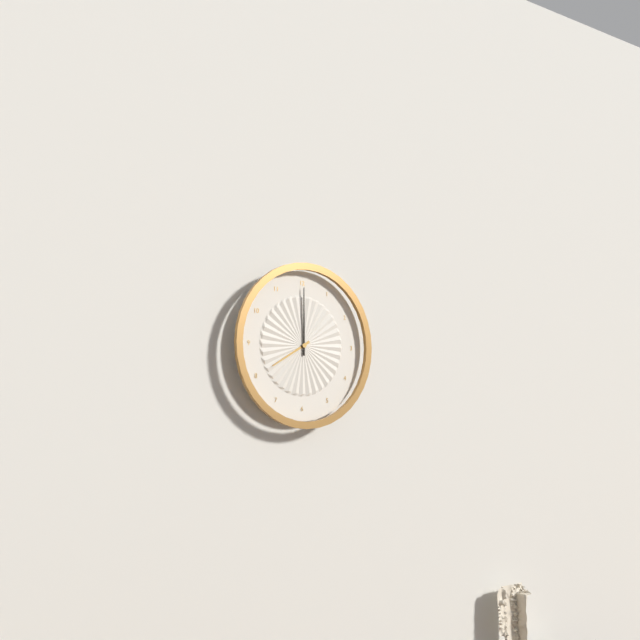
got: h=8 m=0
